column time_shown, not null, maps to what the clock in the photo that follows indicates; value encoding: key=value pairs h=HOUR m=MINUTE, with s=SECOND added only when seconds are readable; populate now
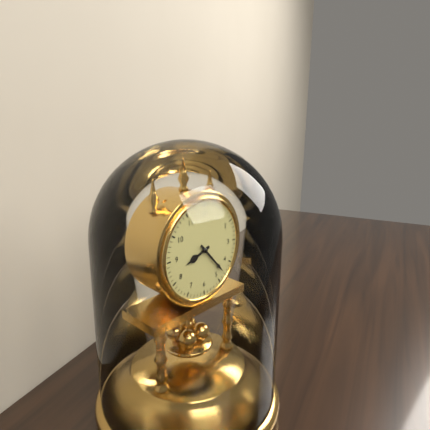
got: h=8 m=23
